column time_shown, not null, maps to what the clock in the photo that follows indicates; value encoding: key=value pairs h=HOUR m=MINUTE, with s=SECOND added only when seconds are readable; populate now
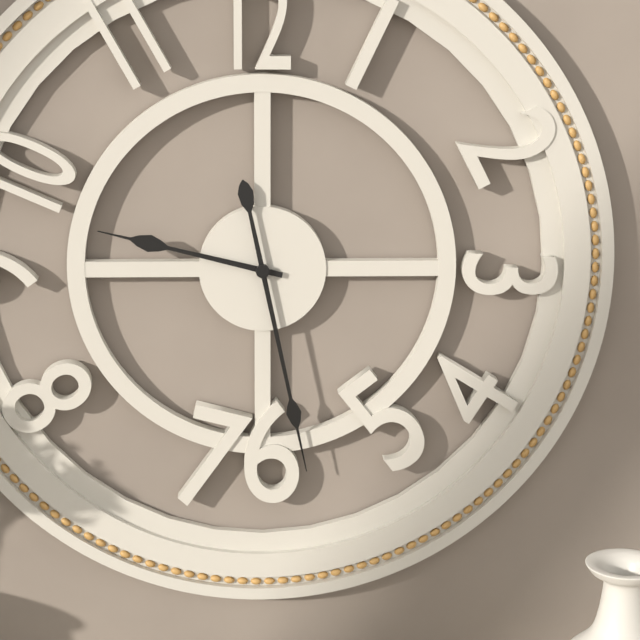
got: h=9 m=28
